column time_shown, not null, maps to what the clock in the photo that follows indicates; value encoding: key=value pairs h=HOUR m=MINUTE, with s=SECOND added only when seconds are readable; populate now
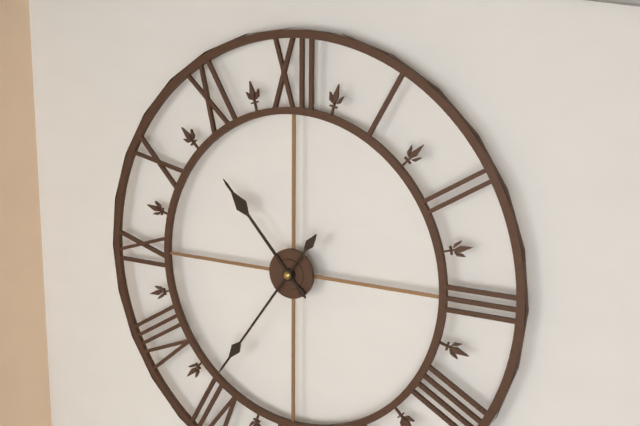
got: h=10 m=36
